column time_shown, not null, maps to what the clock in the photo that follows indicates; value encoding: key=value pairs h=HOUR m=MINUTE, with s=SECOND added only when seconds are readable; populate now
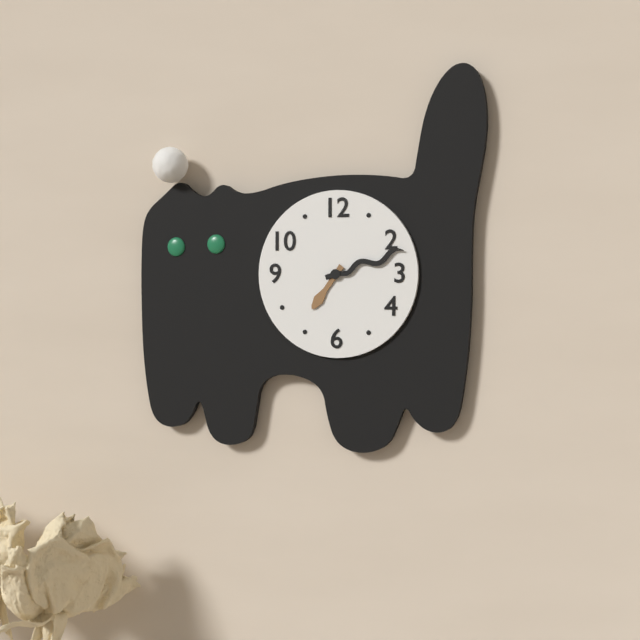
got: h=7 m=12
